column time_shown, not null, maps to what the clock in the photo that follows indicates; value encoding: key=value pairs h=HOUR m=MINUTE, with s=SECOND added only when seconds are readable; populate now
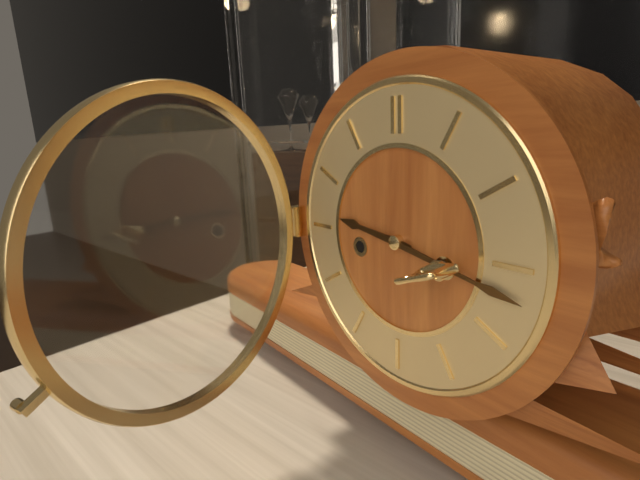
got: h=9 m=17
